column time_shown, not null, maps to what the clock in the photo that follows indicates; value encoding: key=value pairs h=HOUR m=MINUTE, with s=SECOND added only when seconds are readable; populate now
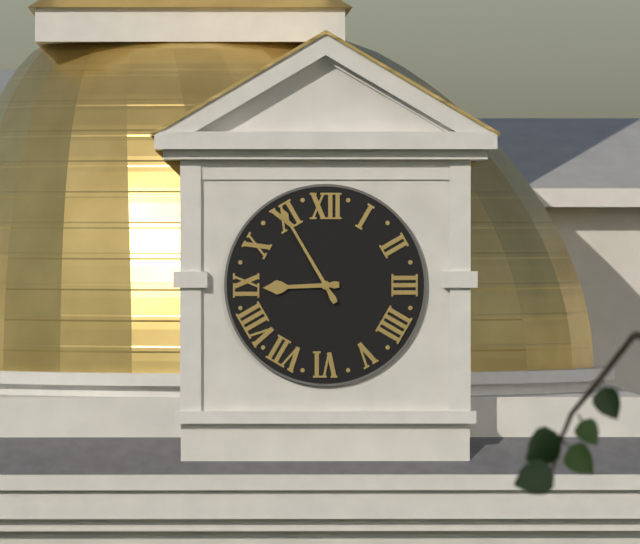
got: h=8 m=55
